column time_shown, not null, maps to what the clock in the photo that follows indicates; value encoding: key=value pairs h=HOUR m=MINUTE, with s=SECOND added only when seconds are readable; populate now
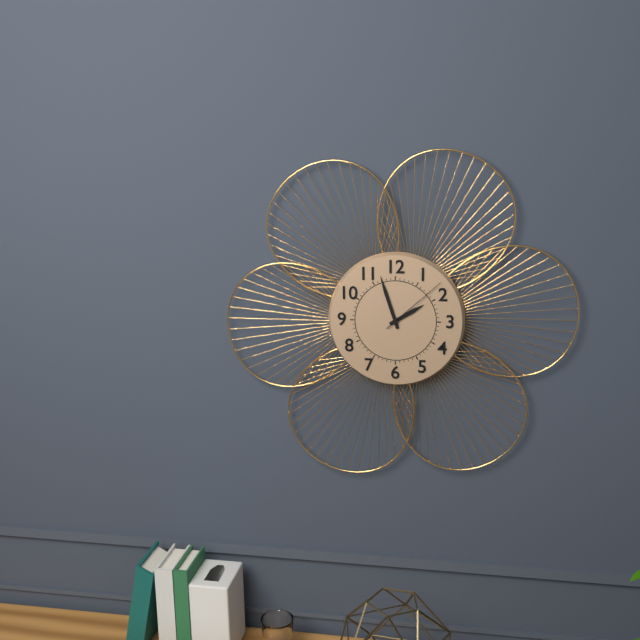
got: h=1 m=57 s=8
